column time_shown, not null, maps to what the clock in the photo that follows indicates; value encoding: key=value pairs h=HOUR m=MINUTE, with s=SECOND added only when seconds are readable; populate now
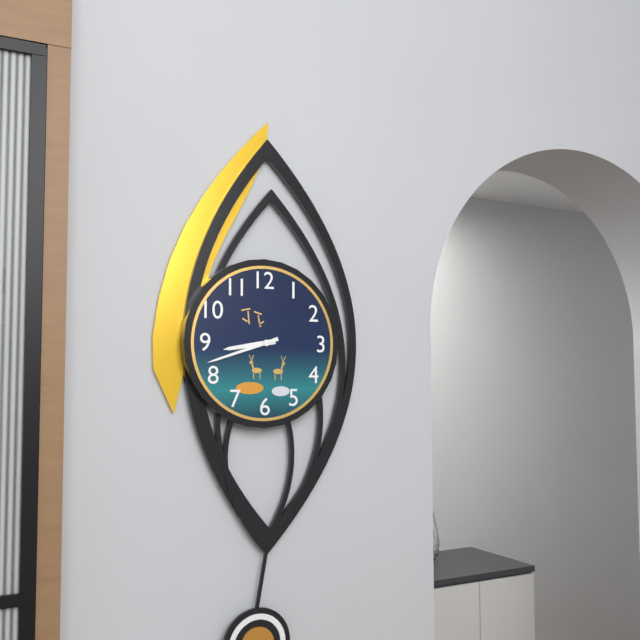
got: h=8 m=42
